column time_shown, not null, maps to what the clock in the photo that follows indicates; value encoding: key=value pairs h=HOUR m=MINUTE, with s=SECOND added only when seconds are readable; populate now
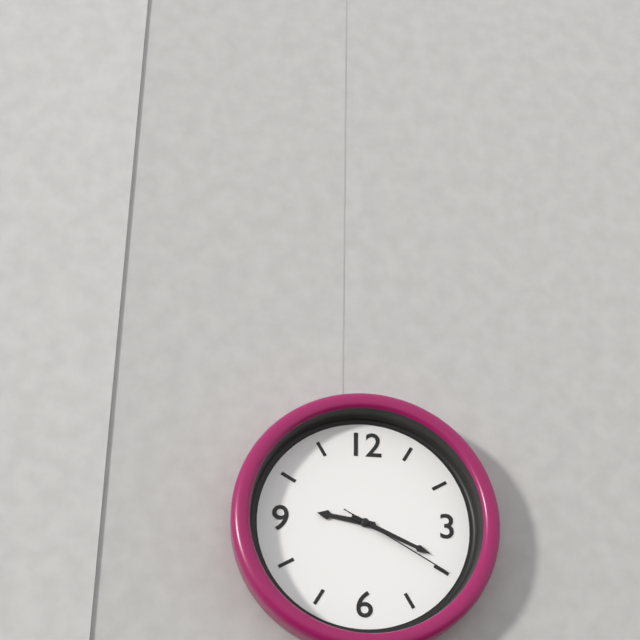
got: h=9 m=19 s=20
